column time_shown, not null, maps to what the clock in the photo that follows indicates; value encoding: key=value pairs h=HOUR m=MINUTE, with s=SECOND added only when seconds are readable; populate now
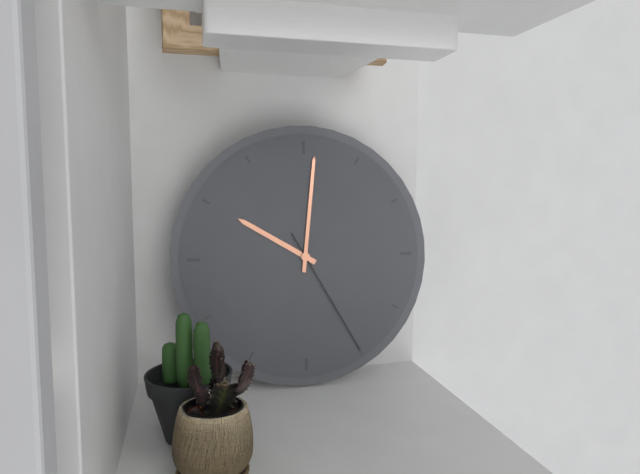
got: h=10 m=1 s=25
